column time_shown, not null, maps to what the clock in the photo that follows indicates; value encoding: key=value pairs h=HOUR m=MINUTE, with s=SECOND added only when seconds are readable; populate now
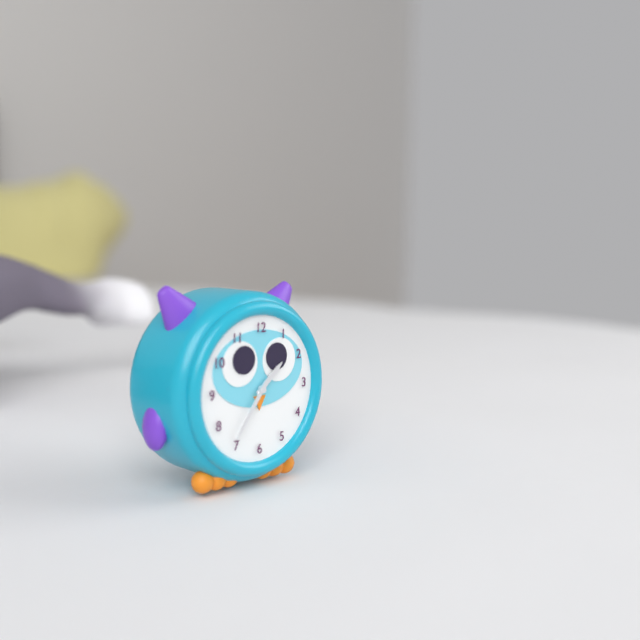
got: h=1 m=36
